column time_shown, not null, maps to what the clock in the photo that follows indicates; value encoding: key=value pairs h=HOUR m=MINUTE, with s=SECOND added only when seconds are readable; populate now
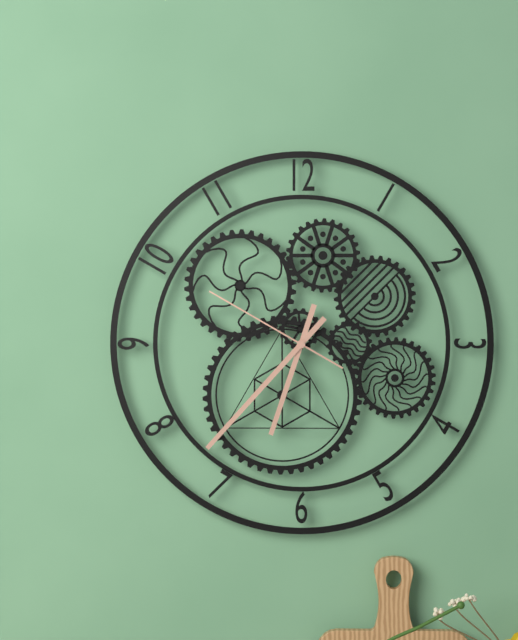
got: h=6 m=37 s=50
